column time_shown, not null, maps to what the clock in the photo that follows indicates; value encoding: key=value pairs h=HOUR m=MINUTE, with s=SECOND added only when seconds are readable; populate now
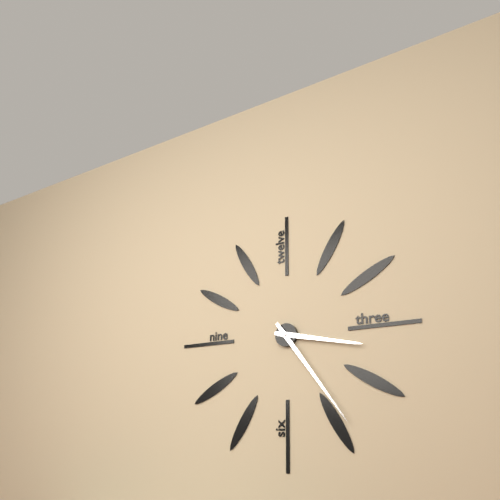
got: h=3 m=24
